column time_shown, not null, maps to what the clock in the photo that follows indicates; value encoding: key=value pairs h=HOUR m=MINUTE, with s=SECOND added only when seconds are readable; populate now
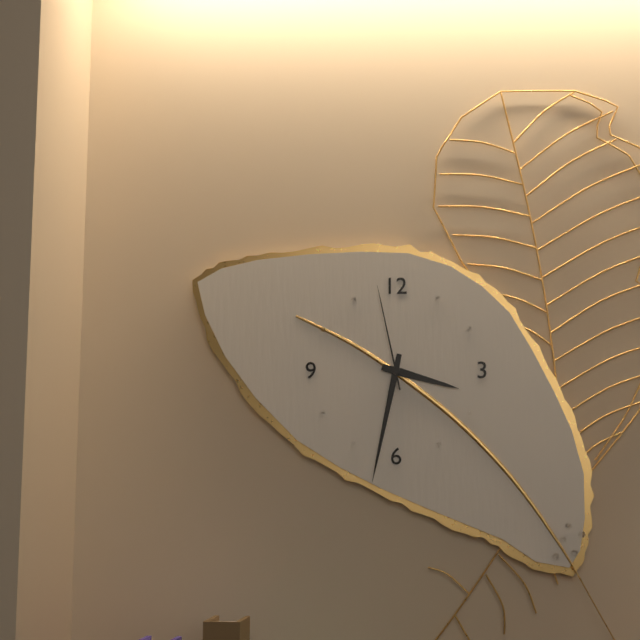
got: h=3 m=32 s=58
